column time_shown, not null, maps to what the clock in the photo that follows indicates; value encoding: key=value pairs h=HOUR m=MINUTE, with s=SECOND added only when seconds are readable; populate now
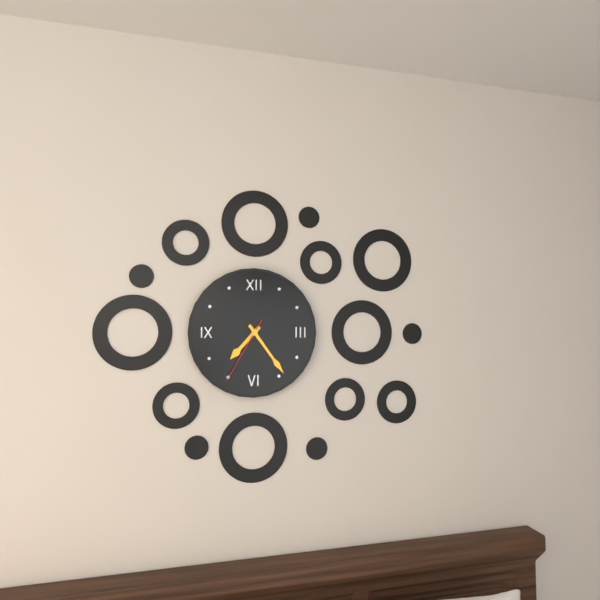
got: h=7 m=24 s=35
